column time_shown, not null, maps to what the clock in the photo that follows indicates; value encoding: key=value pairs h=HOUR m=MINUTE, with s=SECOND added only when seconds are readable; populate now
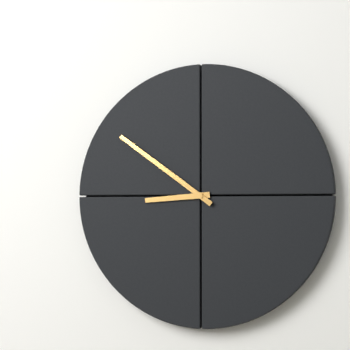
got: h=8 m=51
